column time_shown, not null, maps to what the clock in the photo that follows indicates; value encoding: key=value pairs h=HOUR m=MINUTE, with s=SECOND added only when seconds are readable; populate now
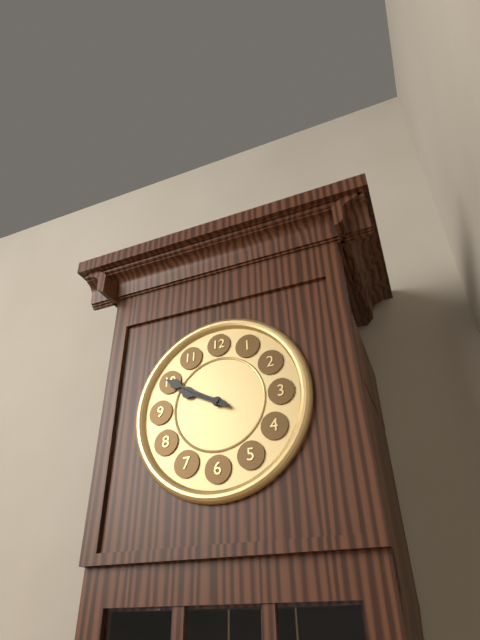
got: h=9 m=50
